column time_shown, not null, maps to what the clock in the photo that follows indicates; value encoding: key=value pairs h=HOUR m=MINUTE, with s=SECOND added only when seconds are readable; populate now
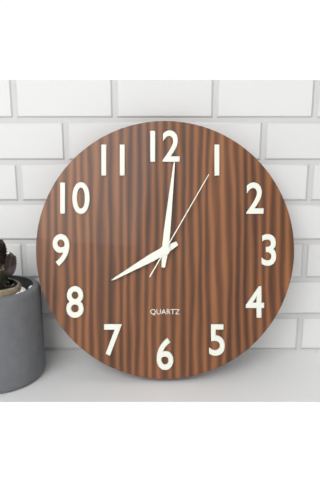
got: h=8 m=1 s=5
